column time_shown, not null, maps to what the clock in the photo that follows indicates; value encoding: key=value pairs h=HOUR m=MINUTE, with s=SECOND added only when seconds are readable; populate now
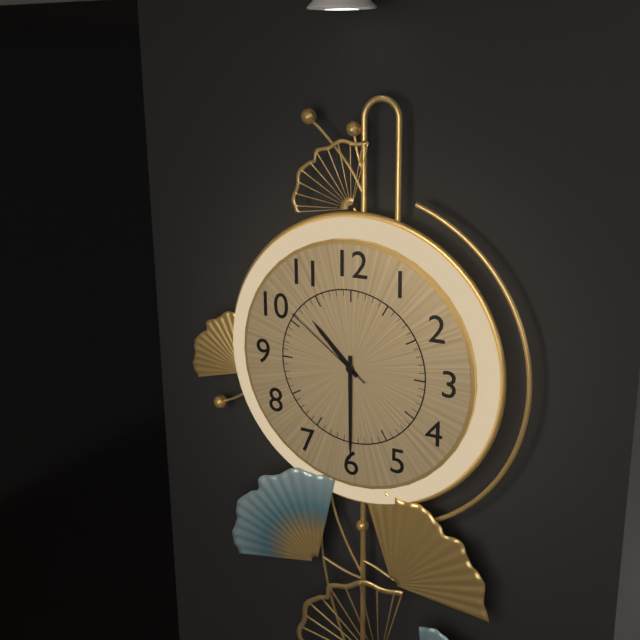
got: h=10 m=30 s=51
